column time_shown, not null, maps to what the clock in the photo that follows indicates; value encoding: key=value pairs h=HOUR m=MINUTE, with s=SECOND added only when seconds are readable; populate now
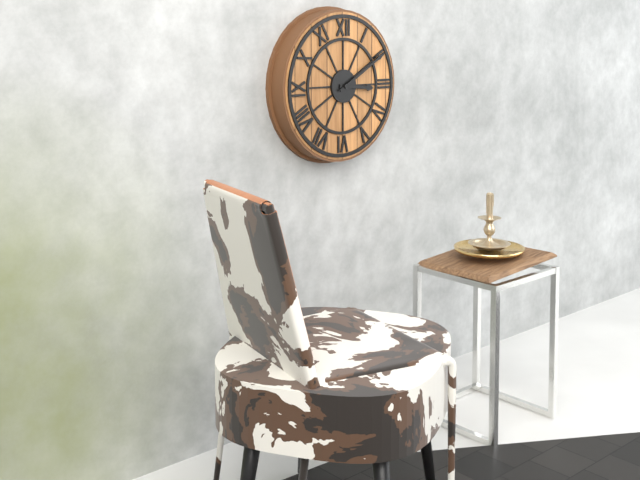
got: h=3 m=10
